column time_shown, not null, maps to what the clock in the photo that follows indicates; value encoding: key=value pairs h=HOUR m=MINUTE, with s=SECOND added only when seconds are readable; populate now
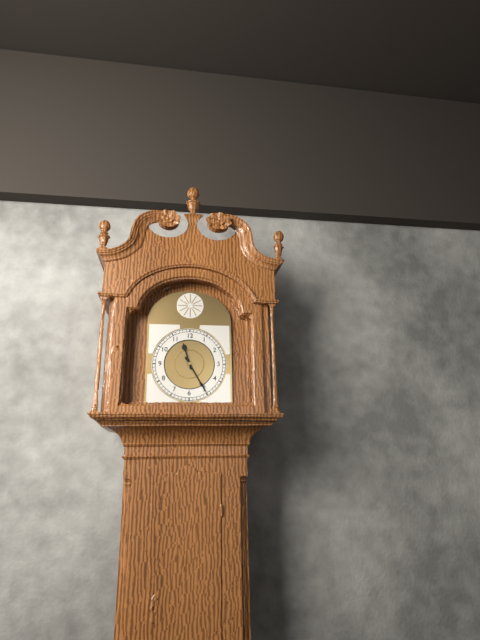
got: h=11 m=25
